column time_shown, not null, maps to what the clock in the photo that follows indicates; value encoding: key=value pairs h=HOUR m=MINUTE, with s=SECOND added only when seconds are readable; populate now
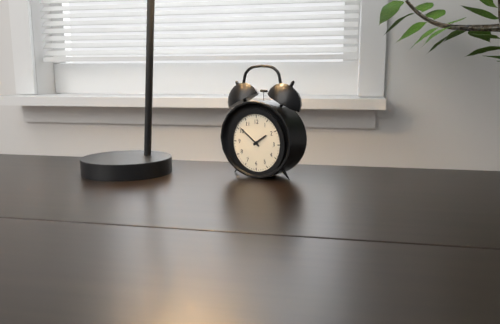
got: h=1 m=51
